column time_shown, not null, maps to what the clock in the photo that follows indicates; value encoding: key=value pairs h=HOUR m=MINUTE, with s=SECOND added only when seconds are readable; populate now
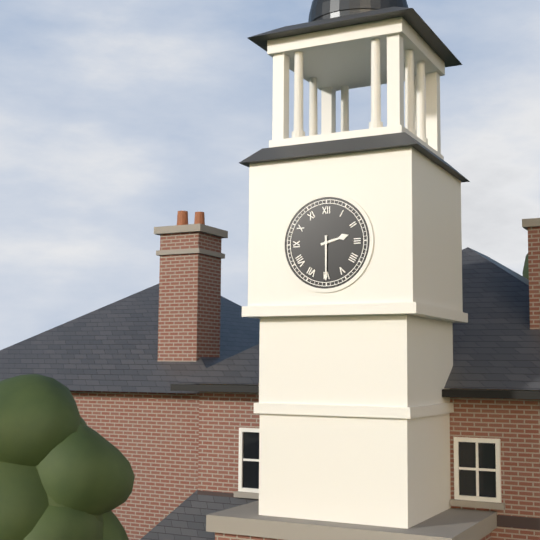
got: h=2 m=30
